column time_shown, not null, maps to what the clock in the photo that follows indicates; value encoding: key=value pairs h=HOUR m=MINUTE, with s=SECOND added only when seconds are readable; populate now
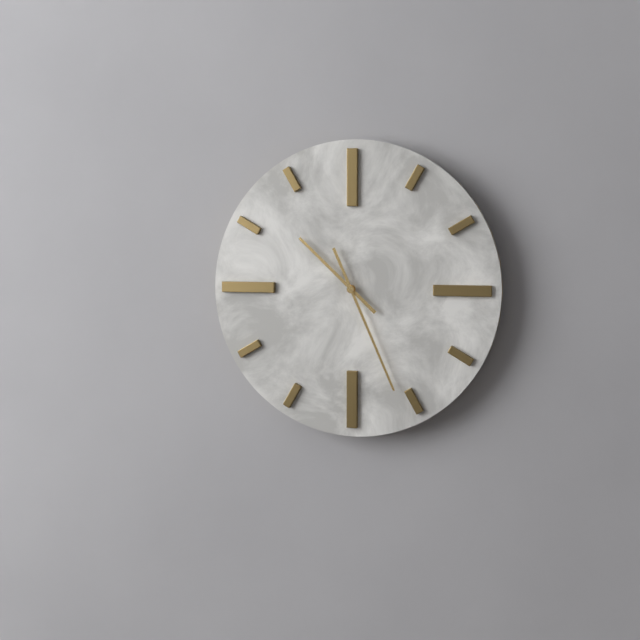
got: h=10 m=26
